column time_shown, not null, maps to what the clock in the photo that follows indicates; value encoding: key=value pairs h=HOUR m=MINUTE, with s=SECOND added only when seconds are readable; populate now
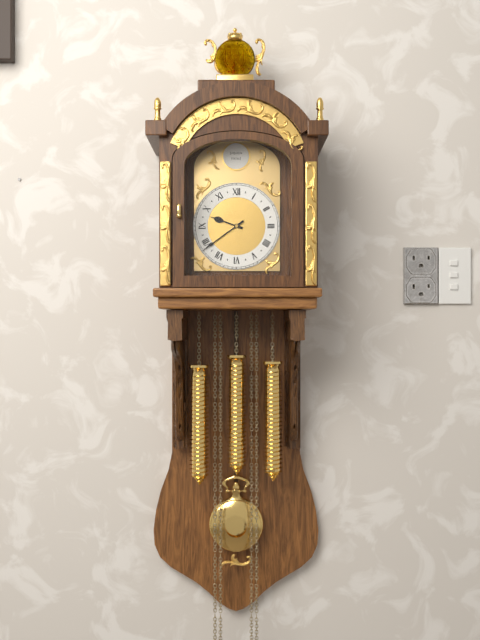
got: h=9 m=39
